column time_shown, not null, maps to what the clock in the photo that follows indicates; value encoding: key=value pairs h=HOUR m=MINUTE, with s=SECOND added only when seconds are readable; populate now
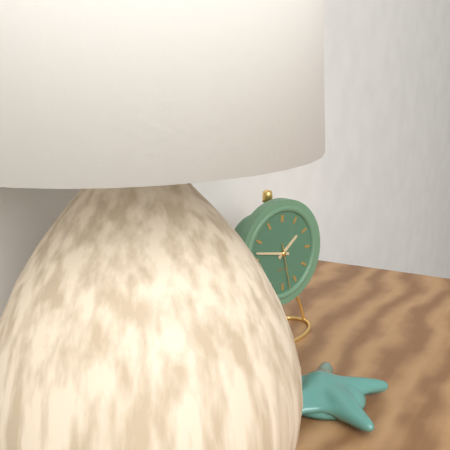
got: h=1 m=47
